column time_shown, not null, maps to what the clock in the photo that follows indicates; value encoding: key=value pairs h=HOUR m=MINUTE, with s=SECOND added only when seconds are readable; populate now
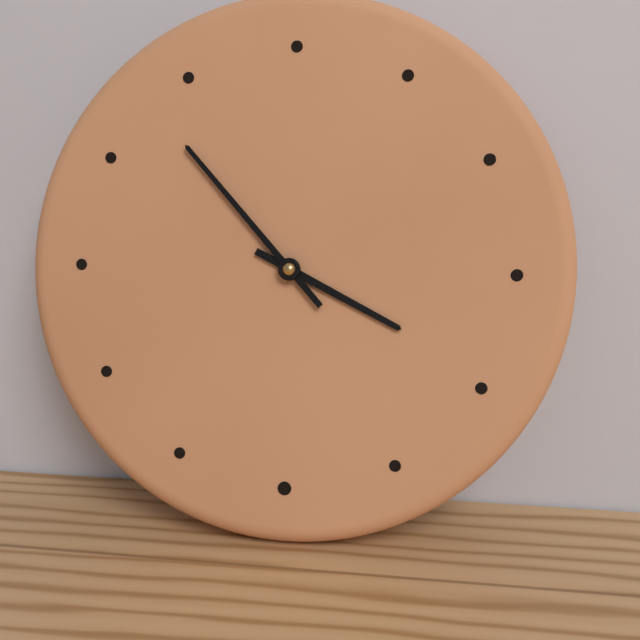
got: h=3 m=53
